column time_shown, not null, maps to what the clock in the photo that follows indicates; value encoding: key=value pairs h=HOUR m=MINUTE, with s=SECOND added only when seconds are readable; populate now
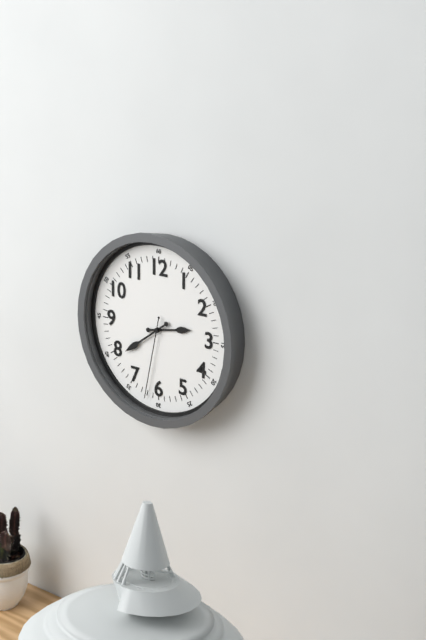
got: h=2 m=39 s=32
